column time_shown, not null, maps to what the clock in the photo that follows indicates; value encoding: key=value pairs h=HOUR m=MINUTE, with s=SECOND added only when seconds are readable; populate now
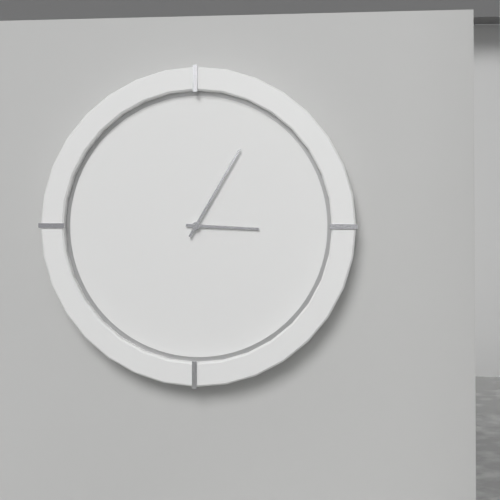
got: h=3 m=5
